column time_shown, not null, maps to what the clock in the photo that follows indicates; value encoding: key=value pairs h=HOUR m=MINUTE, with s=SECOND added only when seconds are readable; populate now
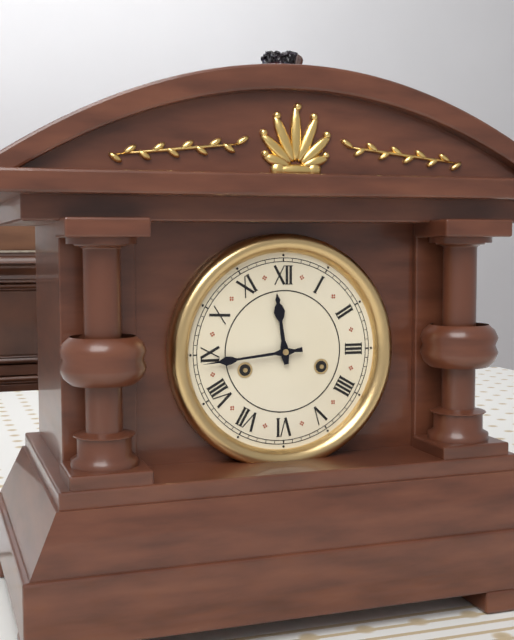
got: h=11 m=44
